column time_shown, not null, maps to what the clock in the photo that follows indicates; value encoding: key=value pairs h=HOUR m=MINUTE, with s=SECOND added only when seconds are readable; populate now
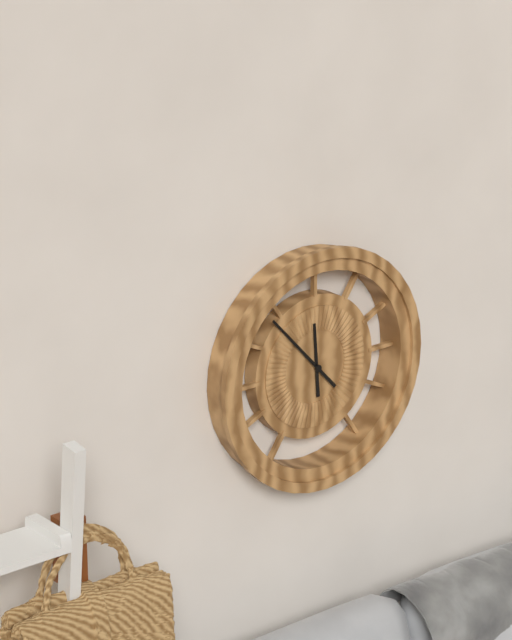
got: h=11 m=53
